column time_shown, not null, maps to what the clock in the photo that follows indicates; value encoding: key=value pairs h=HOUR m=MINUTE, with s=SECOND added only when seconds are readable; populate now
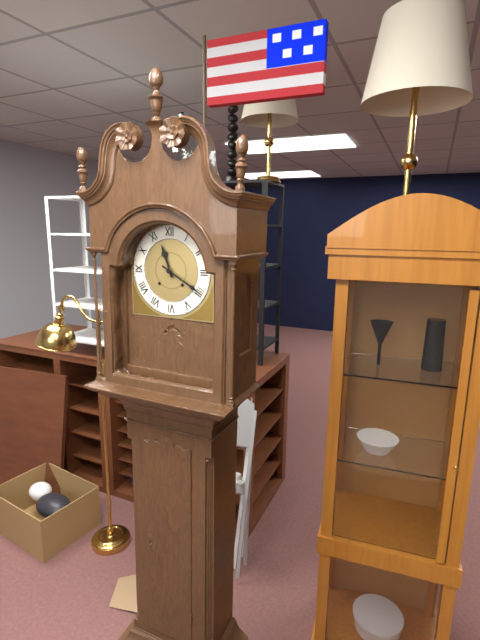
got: h=11 m=20
